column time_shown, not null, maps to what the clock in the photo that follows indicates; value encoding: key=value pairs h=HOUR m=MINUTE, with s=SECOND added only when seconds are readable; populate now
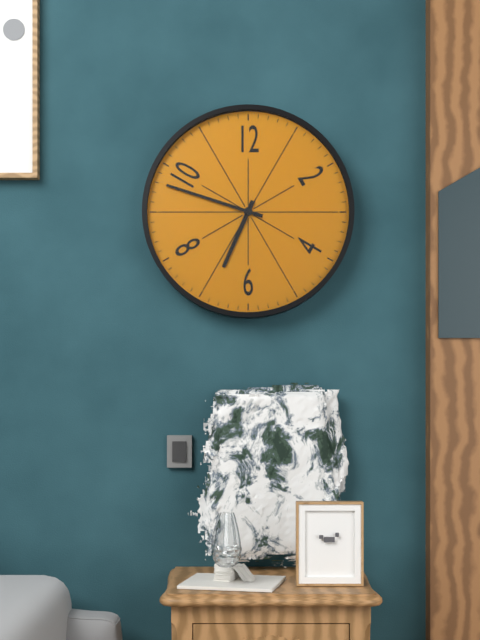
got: h=6 m=48
